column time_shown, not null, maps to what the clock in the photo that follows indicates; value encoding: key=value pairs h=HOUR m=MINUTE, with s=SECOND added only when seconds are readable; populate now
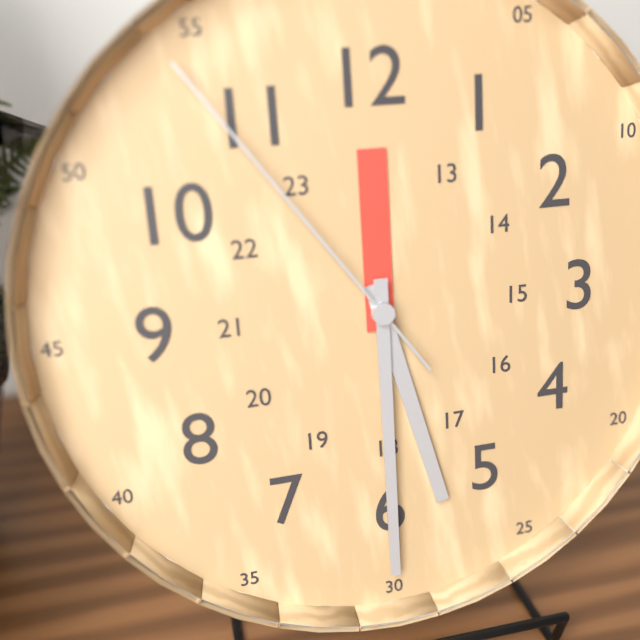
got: h=5 m=30 s=54
